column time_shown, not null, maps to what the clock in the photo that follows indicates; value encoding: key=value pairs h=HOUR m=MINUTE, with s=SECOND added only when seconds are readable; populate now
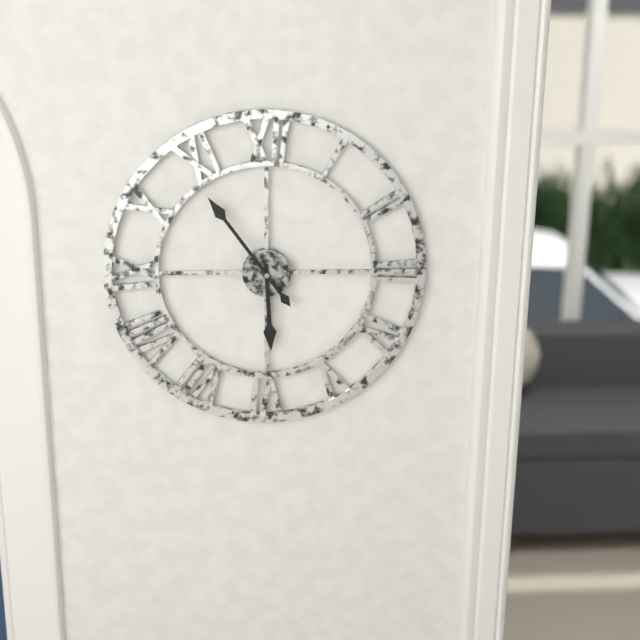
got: h=5 m=54
